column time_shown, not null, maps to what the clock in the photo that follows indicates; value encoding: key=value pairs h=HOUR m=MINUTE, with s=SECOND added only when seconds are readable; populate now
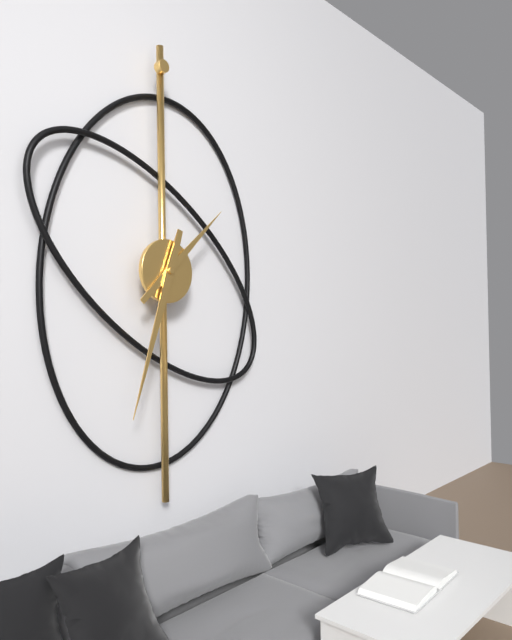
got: h=1 m=33
